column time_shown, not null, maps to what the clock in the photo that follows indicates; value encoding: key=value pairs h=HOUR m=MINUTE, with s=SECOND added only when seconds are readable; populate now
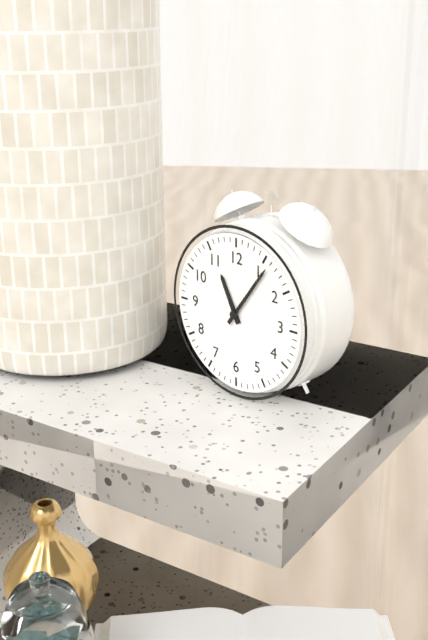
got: h=11 m=6
